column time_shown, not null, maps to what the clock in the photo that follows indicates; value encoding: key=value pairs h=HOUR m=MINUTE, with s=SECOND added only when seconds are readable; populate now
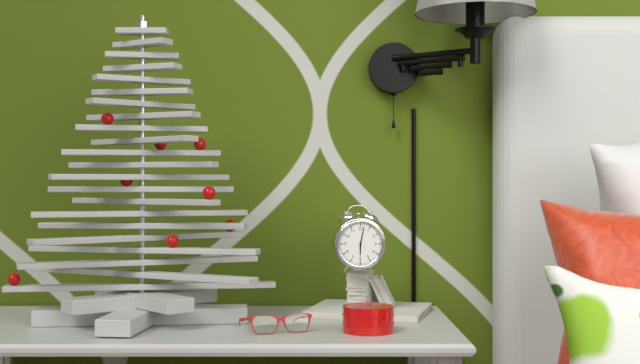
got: h=6 m=2
